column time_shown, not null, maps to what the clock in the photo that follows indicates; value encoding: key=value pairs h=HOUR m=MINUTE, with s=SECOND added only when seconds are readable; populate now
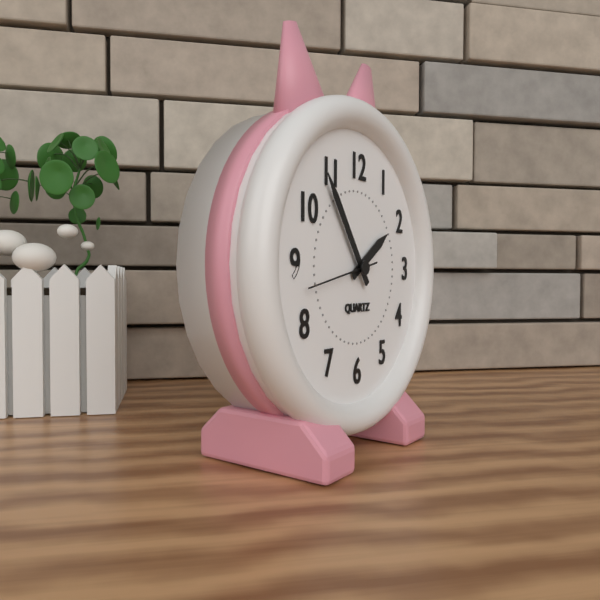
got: h=1 m=54 s=43
